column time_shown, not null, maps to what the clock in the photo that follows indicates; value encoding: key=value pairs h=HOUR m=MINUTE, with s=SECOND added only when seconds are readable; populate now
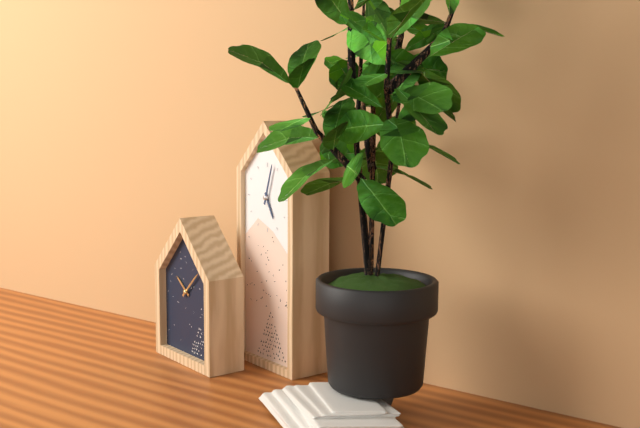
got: h=5 m=3
